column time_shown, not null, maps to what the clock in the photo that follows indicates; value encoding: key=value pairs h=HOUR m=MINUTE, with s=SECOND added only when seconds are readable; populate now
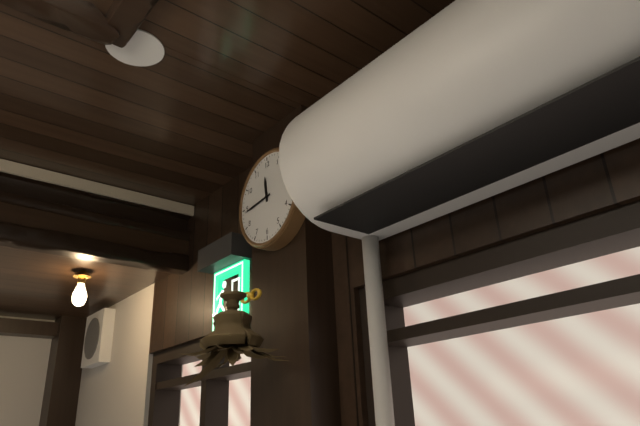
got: h=11 m=44
